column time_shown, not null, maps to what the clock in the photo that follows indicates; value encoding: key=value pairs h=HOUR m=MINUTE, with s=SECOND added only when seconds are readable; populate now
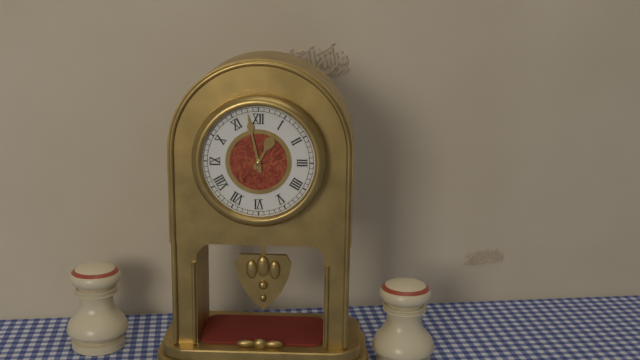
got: h=12 m=58
